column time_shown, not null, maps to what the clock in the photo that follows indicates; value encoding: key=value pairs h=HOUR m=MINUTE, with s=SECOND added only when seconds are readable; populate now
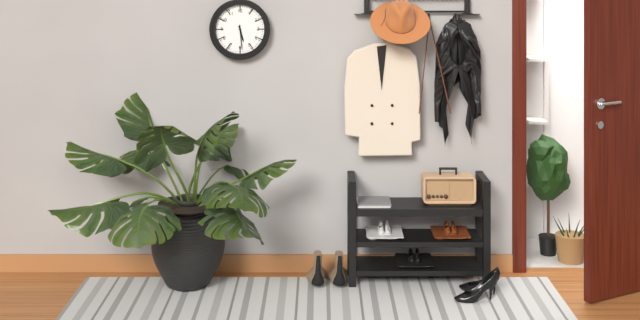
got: h=5 m=29
